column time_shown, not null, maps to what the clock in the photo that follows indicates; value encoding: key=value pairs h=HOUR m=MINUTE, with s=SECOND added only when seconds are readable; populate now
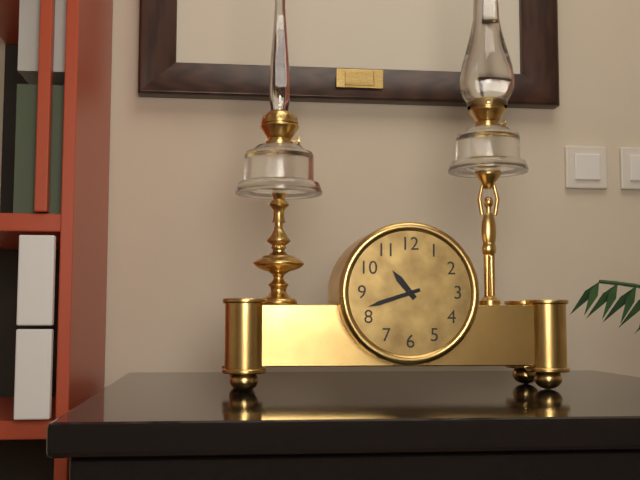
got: h=10 m=42
